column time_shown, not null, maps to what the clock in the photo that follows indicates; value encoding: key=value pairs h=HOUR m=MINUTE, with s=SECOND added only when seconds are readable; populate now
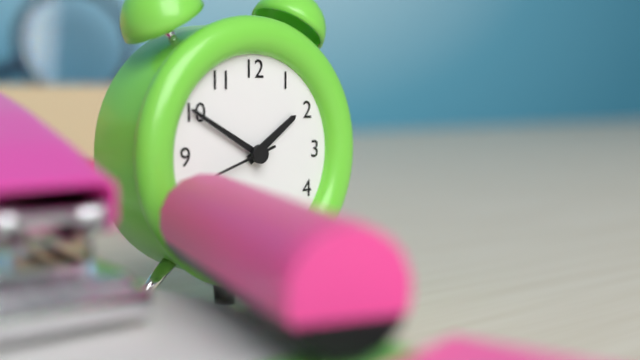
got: h=1 m=50
